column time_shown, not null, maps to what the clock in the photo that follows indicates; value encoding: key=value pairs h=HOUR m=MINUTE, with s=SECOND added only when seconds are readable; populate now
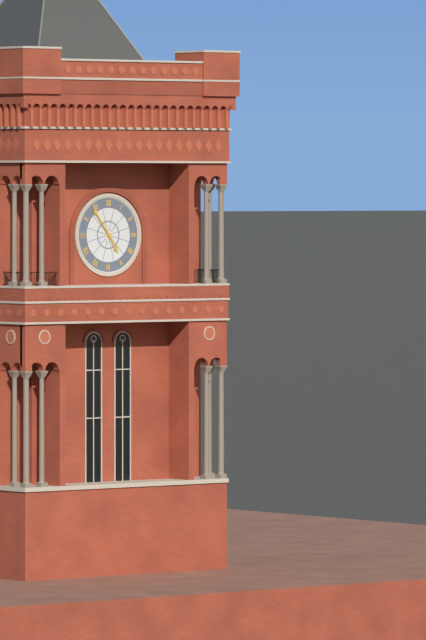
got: h=4 m=54
